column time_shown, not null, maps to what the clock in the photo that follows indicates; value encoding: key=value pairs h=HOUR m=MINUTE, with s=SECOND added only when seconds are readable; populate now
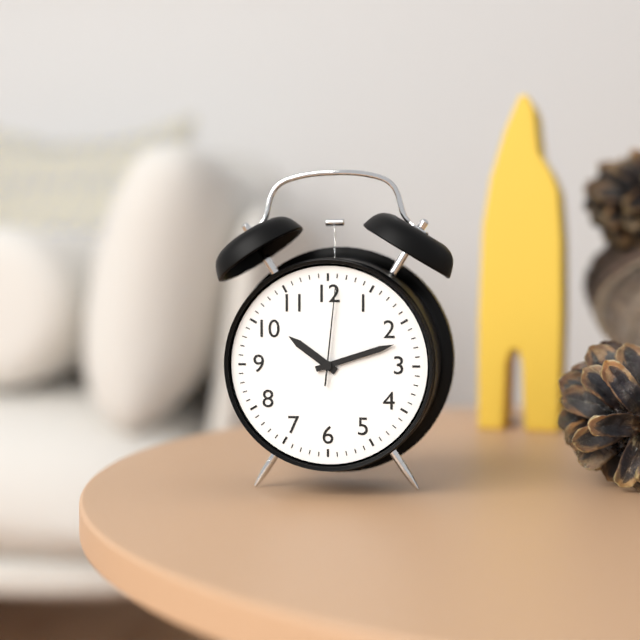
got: h=10 m=12 s=1
